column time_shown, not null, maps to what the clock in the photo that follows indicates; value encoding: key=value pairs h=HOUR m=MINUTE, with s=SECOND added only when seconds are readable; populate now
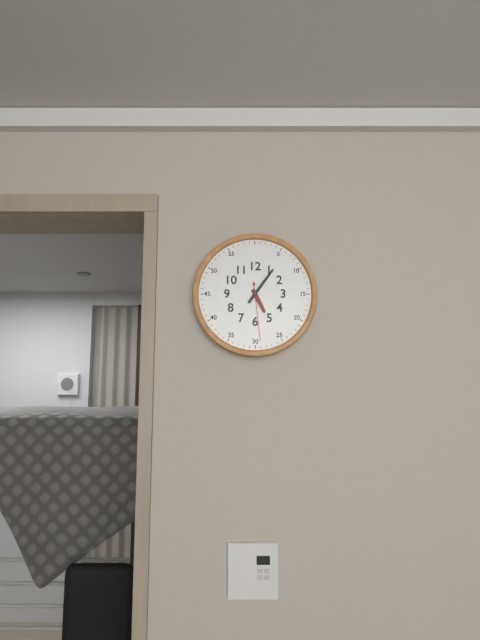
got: h=5 m=6 s=29
